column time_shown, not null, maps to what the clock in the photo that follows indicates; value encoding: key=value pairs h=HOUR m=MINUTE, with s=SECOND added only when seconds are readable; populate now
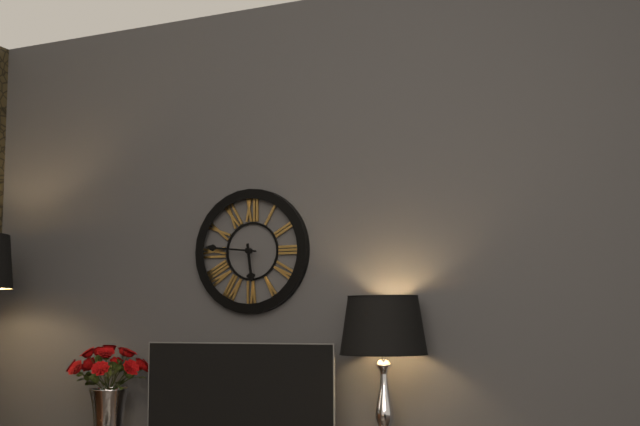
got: h=5 m=46
